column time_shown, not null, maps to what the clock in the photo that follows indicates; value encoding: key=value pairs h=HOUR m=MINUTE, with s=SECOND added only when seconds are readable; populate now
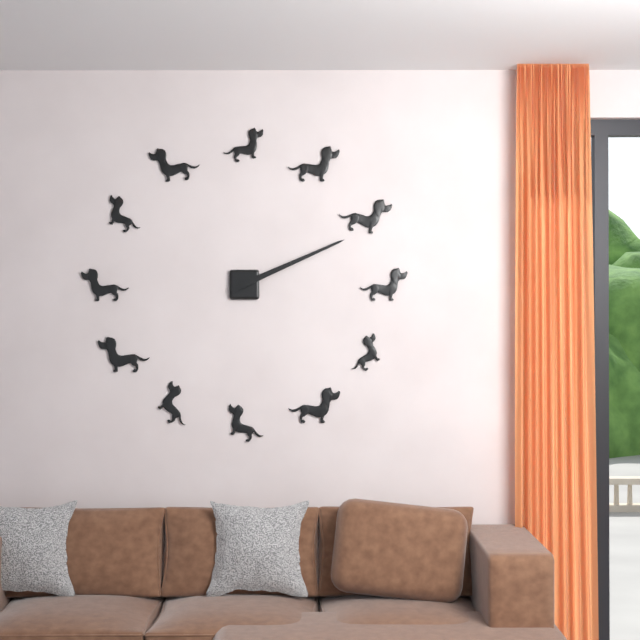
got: h=2 m=11
